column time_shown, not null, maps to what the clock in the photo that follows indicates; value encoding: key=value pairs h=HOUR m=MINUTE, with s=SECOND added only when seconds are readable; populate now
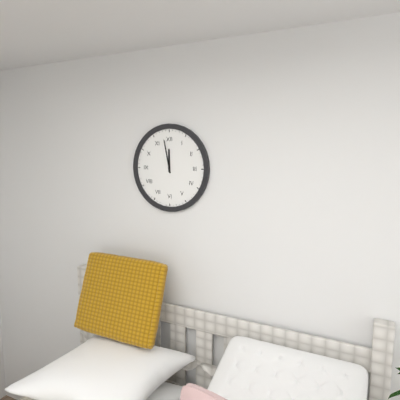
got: h=11 m=58
